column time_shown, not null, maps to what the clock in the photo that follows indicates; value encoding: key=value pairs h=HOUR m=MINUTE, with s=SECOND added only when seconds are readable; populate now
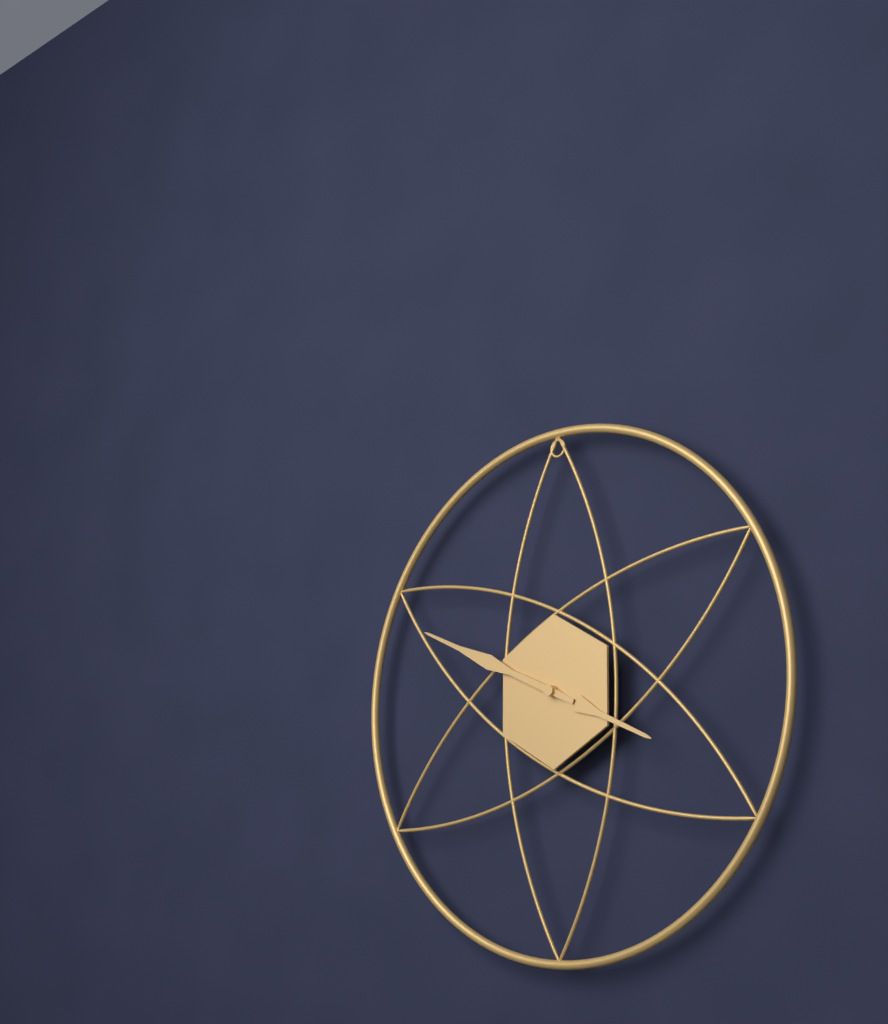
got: h=3 m=49
